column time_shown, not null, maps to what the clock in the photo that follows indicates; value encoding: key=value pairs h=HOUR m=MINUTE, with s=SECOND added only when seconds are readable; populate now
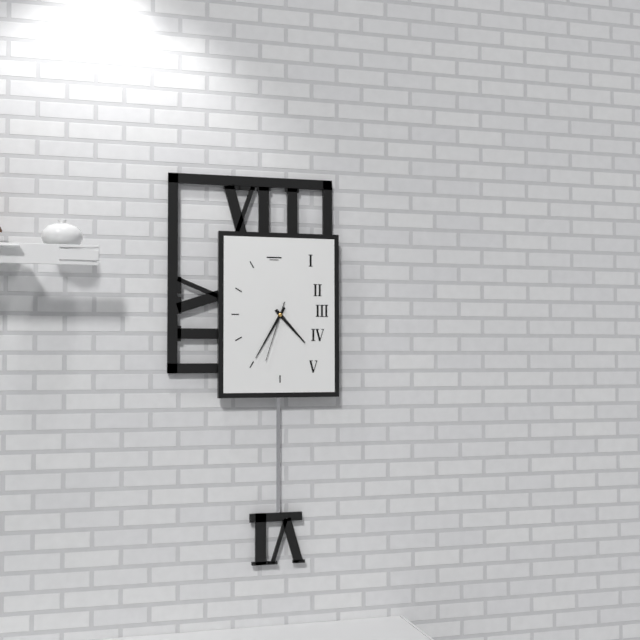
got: h=4 m=35 s=33
